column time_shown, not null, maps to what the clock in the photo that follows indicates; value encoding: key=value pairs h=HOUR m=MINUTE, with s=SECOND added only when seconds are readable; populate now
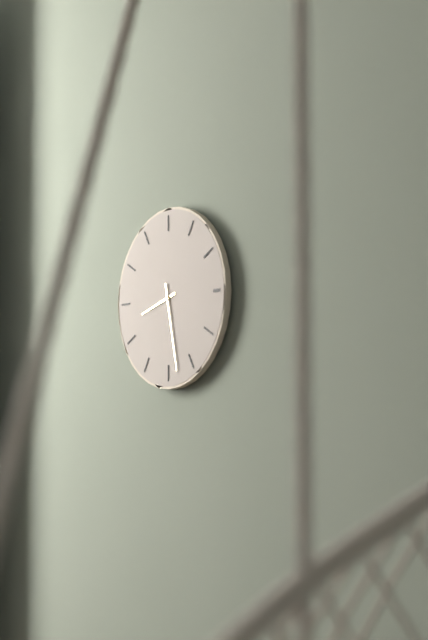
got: h=8 m=28
